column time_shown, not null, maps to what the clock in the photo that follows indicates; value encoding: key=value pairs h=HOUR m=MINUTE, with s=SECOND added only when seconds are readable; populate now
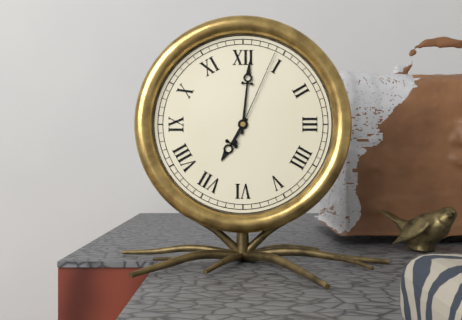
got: h=7 m=1 s=4
